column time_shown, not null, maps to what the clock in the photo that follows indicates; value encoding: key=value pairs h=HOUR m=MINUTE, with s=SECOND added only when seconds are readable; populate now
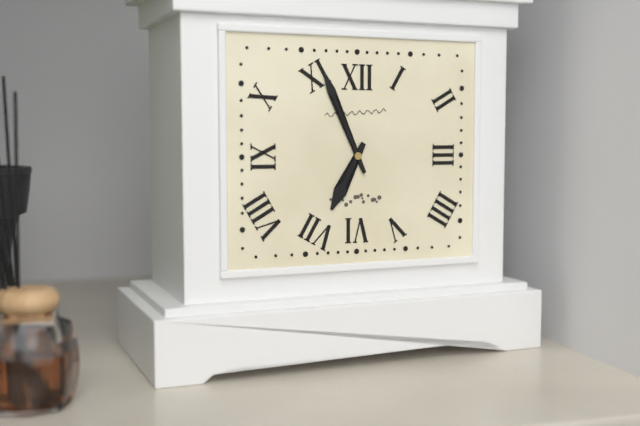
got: h=6 m=56
